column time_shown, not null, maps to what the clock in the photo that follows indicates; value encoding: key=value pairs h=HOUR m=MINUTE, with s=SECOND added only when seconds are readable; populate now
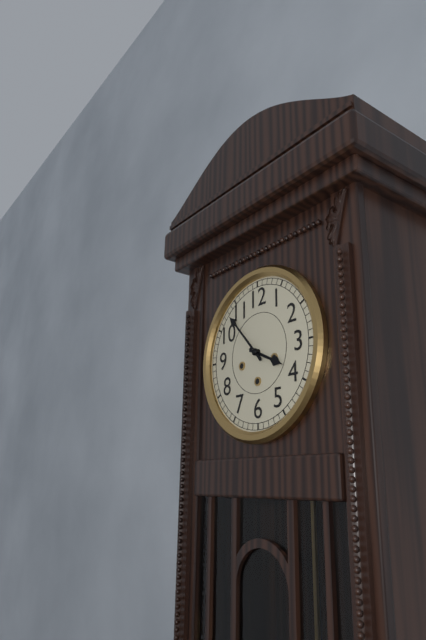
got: h=3 m=53
